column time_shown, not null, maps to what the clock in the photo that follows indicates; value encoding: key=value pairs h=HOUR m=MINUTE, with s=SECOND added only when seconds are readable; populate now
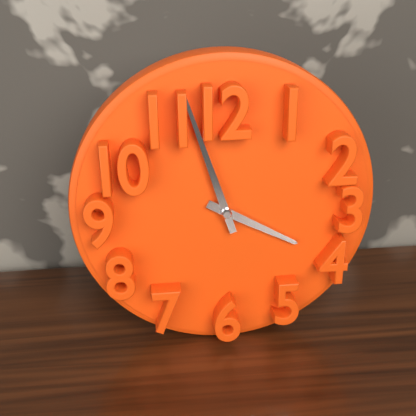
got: h=3 m=57
